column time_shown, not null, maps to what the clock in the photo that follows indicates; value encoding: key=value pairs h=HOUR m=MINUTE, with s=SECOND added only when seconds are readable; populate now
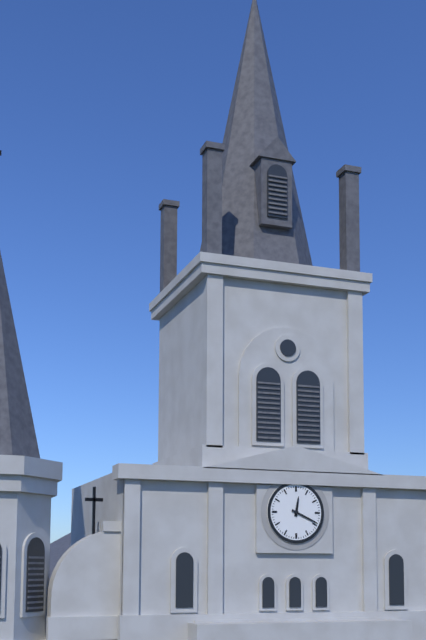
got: h=12 m=19
